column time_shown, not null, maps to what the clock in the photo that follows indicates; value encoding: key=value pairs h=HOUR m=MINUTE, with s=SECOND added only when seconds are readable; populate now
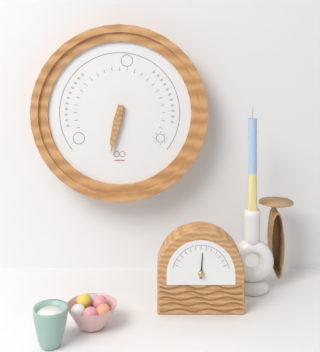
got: h=6 m=32
